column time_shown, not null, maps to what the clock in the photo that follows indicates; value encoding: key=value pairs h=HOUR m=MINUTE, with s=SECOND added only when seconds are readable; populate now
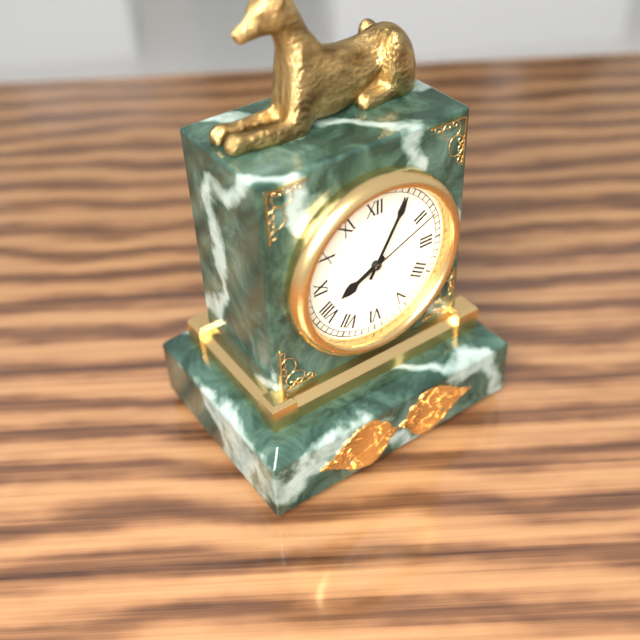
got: h=8 m=5 s=11
